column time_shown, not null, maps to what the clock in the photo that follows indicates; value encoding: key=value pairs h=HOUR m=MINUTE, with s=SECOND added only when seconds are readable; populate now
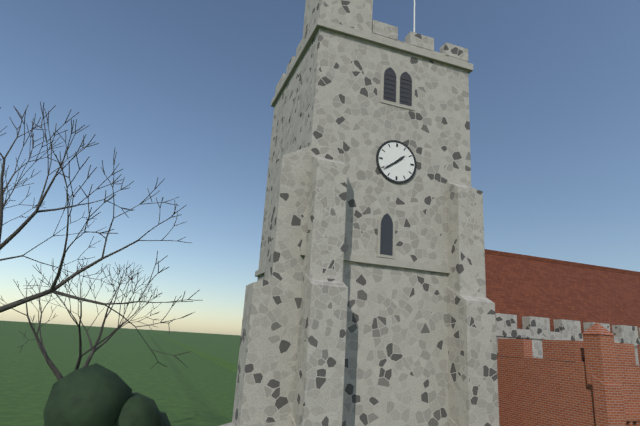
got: h=1 m=39
